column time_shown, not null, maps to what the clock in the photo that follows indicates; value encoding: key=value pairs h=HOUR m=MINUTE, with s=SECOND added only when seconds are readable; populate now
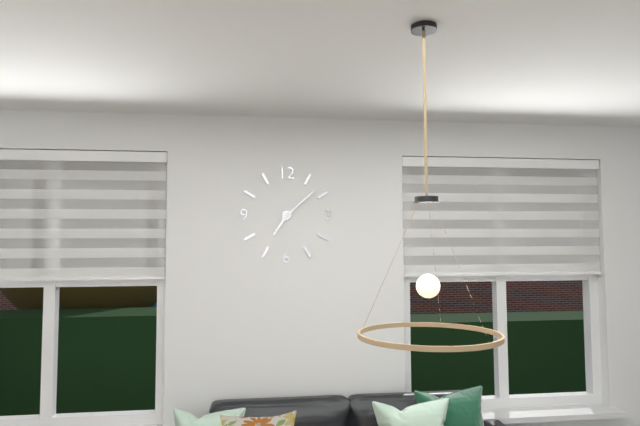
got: h=7 m=8
